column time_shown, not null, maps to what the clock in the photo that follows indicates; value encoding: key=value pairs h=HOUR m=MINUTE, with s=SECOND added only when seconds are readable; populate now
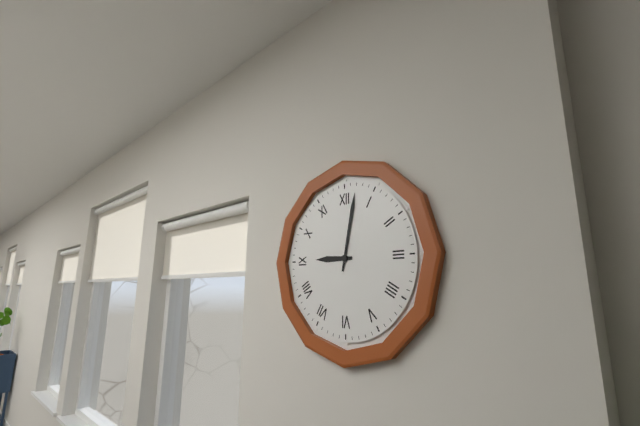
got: h=9 m=2
